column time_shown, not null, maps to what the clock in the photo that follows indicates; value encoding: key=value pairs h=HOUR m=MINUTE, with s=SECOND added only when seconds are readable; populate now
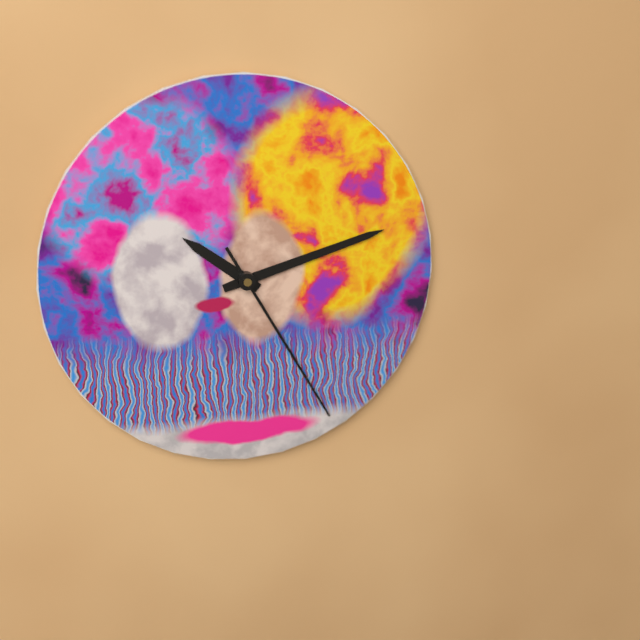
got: h=10 m=12 s=25
